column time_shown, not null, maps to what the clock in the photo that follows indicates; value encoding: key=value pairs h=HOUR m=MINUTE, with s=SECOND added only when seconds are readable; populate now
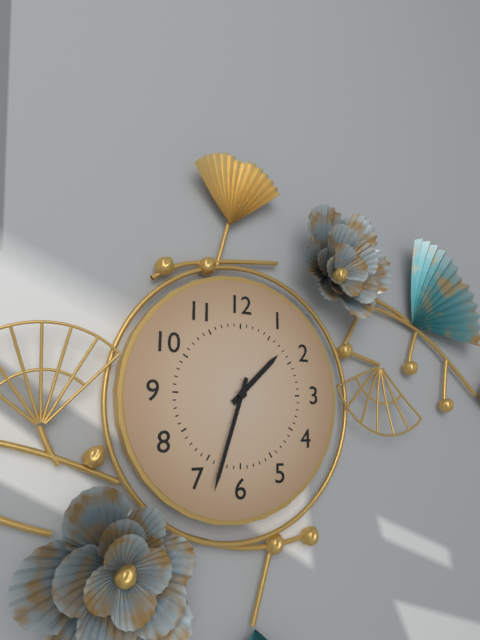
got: h=1 m=33
